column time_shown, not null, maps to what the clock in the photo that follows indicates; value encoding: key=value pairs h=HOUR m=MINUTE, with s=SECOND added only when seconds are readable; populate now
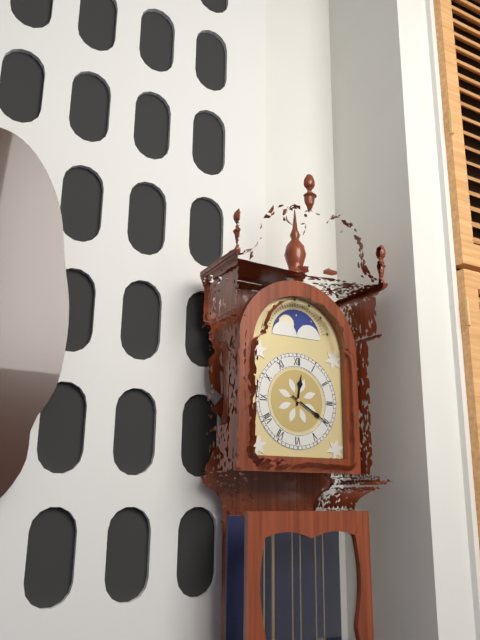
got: h=12 m=20
